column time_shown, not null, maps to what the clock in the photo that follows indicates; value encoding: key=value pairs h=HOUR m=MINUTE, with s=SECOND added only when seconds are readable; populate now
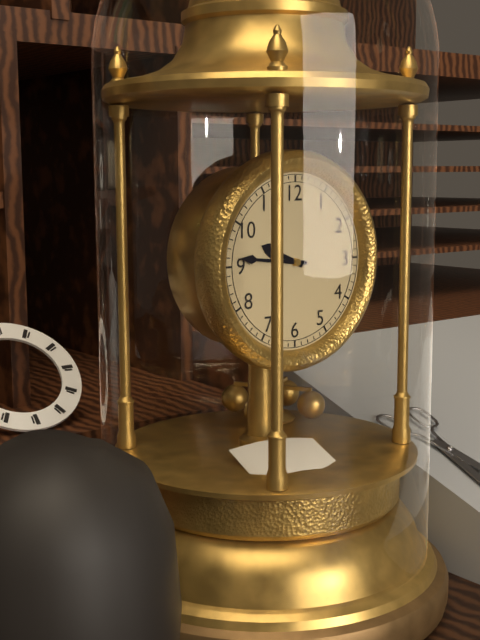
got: h=9 m=46
